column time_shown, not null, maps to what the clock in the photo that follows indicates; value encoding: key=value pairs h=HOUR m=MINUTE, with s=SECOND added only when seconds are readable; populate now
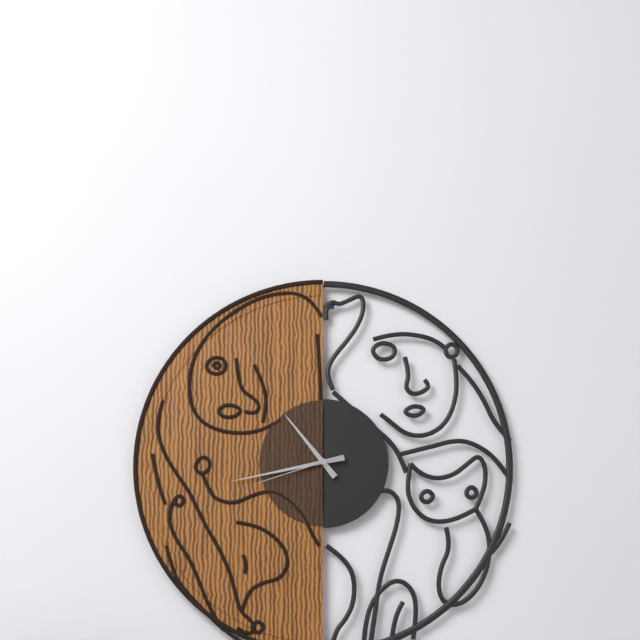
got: h=10 m=43 s=42
